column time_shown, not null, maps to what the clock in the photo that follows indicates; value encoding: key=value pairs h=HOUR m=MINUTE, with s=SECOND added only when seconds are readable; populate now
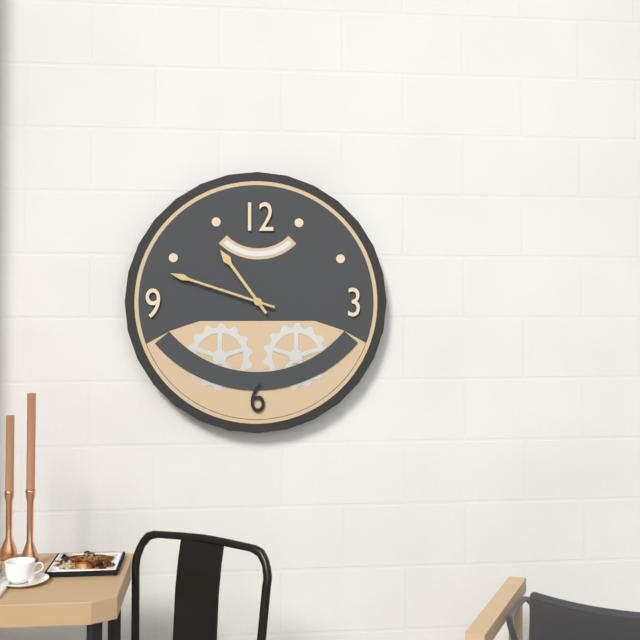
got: h=10 m=48
